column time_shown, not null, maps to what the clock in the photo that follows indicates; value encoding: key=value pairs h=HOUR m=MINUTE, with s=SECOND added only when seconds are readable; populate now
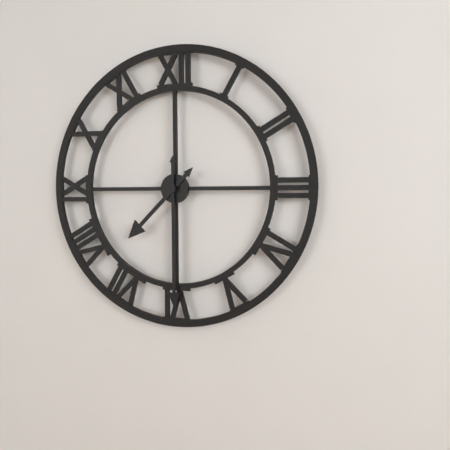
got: h=7 m=30
